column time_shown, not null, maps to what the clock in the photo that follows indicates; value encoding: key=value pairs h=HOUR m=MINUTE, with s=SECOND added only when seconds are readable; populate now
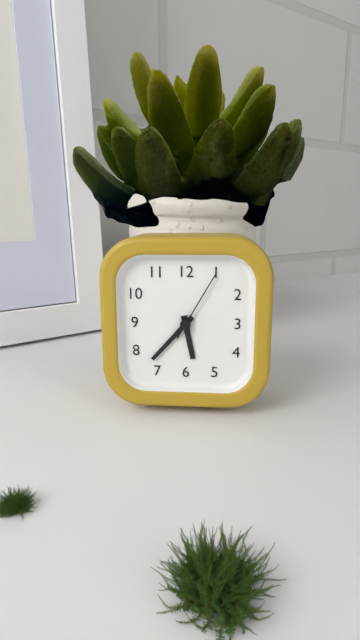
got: h=5 m=37 s=5
